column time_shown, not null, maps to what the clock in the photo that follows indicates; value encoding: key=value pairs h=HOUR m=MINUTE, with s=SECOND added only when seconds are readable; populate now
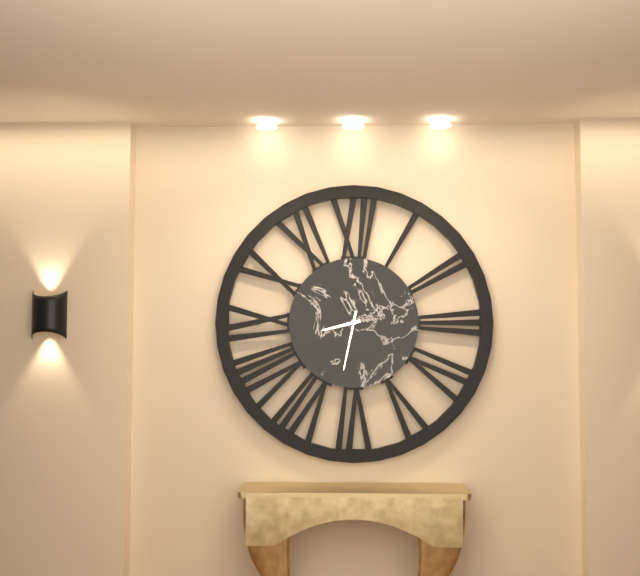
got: h=8 m=32
